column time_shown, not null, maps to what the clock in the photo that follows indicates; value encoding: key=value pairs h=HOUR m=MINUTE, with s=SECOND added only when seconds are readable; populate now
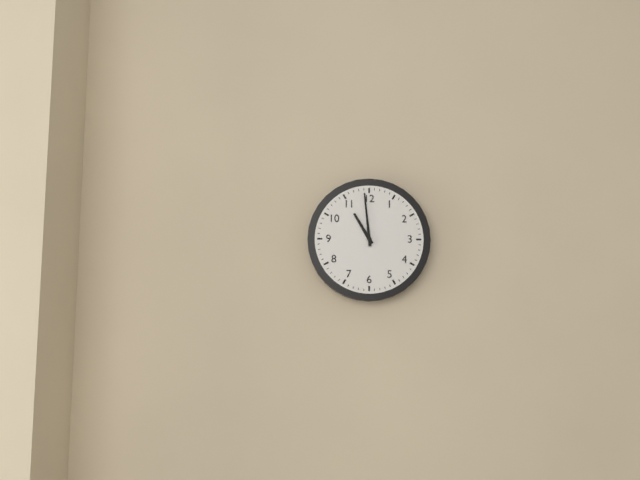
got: h=10 m=59
